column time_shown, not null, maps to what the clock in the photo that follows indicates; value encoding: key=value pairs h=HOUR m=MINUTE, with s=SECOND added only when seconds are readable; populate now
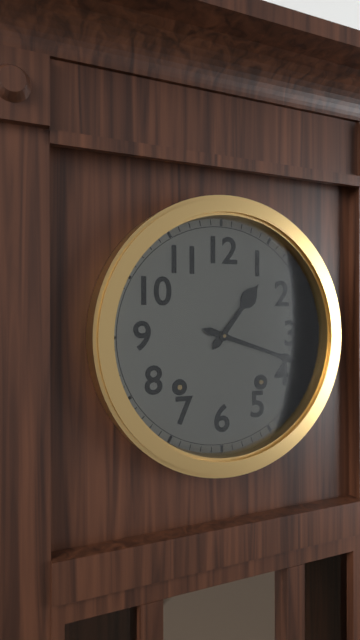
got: h=1 m=18
